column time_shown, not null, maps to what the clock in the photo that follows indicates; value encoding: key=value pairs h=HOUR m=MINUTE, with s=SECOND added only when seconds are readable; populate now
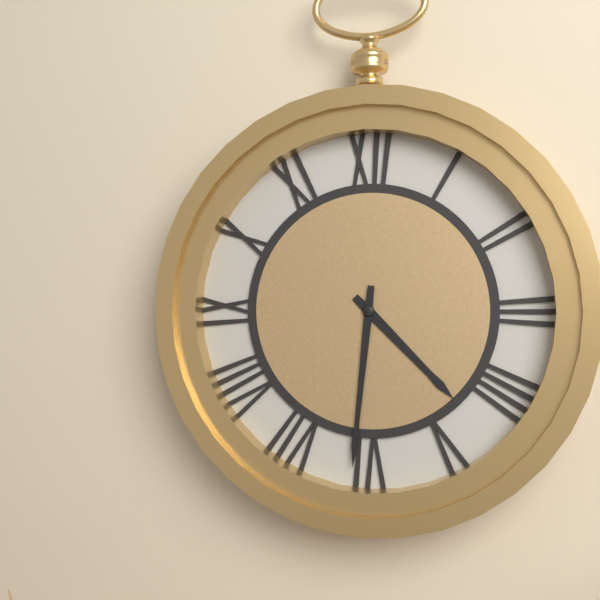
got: h=4 m=31
